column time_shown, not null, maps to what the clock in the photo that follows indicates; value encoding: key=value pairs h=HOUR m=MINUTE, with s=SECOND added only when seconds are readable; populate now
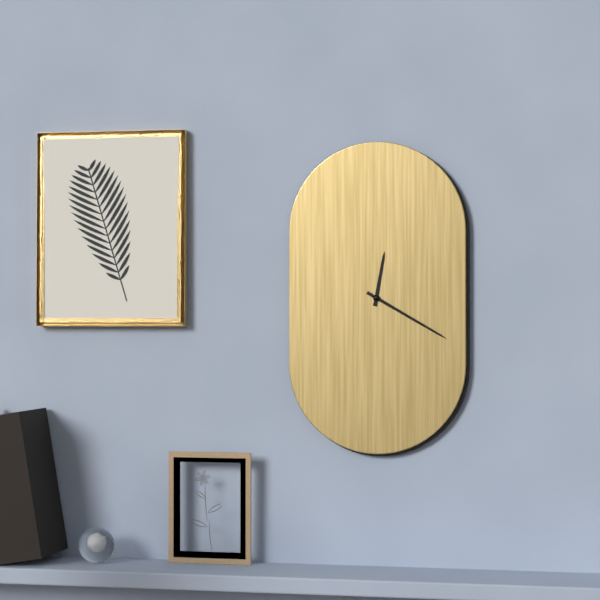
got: h=12 m=20
